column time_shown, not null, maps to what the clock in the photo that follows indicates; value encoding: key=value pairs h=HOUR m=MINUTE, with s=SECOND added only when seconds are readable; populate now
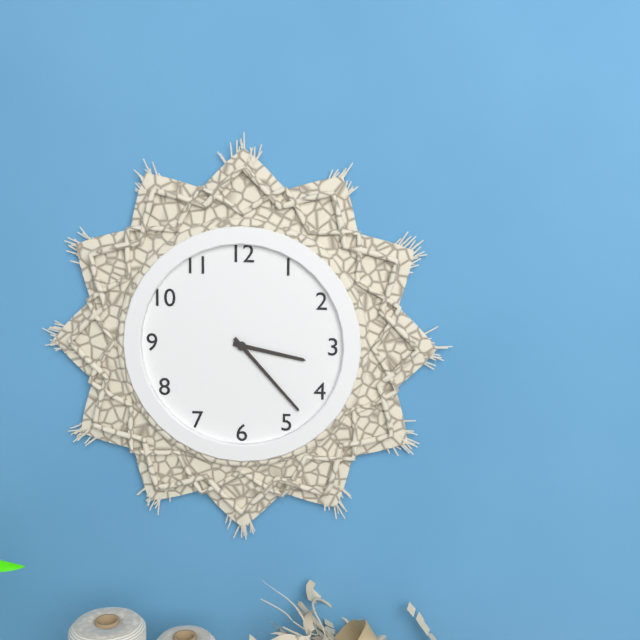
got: h=3 m=23
